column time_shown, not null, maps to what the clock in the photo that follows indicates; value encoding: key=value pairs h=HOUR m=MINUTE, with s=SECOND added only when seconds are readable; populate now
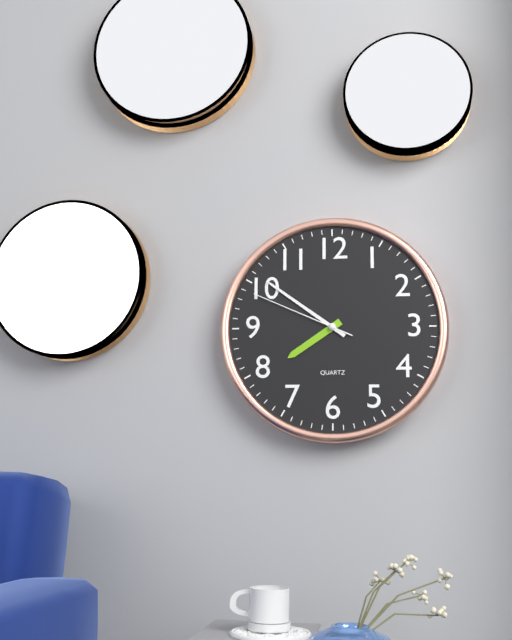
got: h=7 m=51 s=49
